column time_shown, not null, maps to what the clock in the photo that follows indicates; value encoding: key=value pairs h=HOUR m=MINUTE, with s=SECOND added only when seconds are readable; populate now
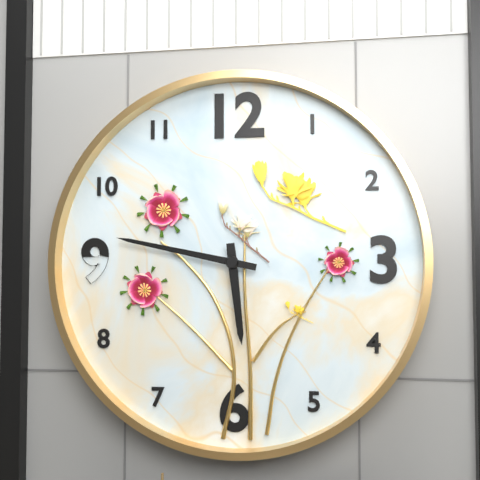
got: h=5 m=47
